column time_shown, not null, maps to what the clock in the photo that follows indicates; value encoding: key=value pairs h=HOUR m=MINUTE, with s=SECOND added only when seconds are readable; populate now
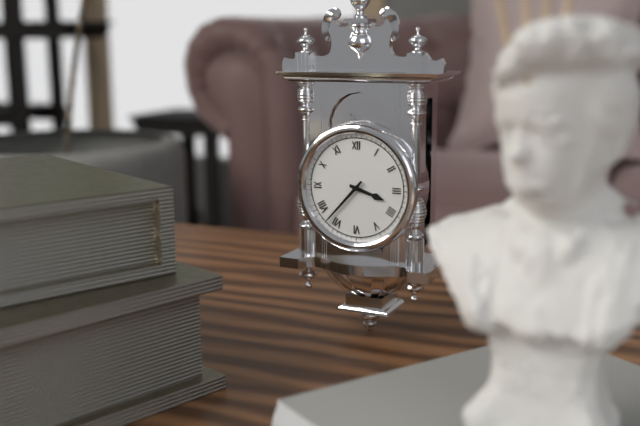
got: h=3 m=37
